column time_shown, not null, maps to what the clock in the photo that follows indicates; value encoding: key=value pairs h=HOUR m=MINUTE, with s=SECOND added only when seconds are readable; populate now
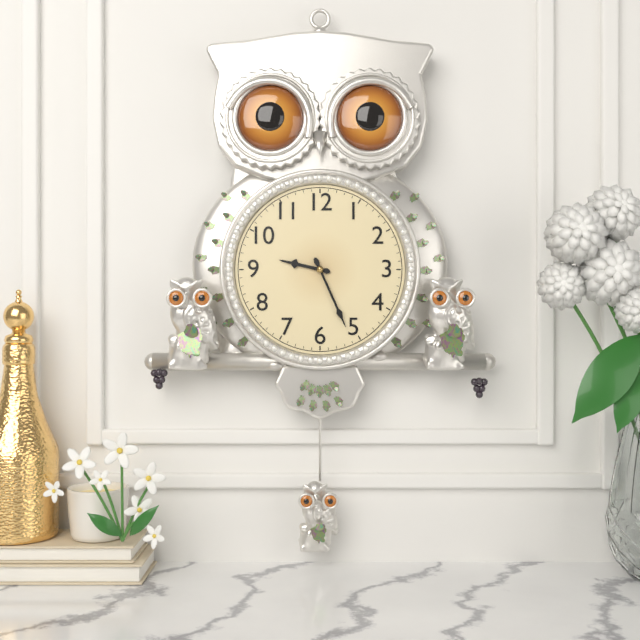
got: h=9 m=26
